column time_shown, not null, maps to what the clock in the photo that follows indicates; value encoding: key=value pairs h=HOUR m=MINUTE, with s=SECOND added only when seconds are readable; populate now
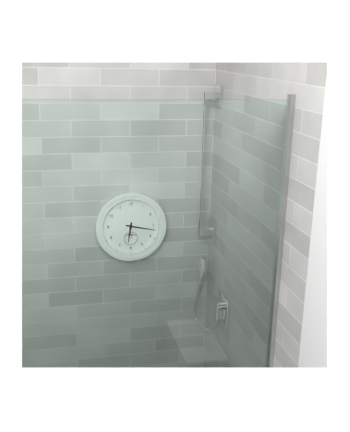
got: h=6 m=17
